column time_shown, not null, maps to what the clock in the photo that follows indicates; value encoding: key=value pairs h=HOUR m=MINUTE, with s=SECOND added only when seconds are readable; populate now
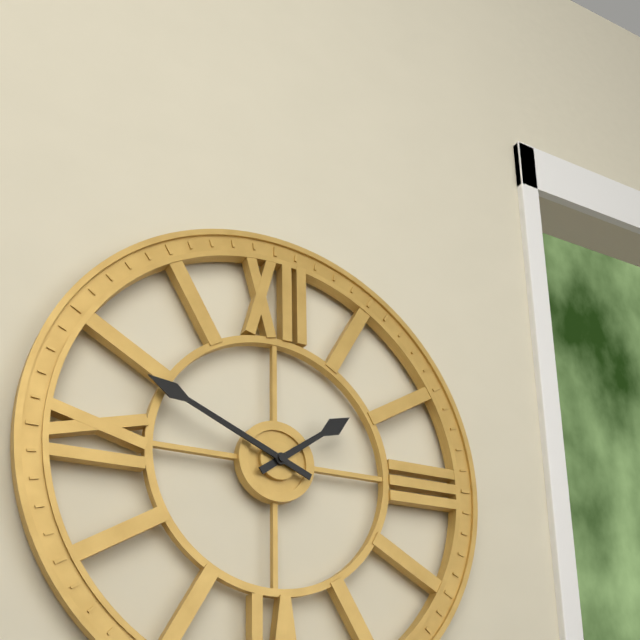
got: h=1 m=49
